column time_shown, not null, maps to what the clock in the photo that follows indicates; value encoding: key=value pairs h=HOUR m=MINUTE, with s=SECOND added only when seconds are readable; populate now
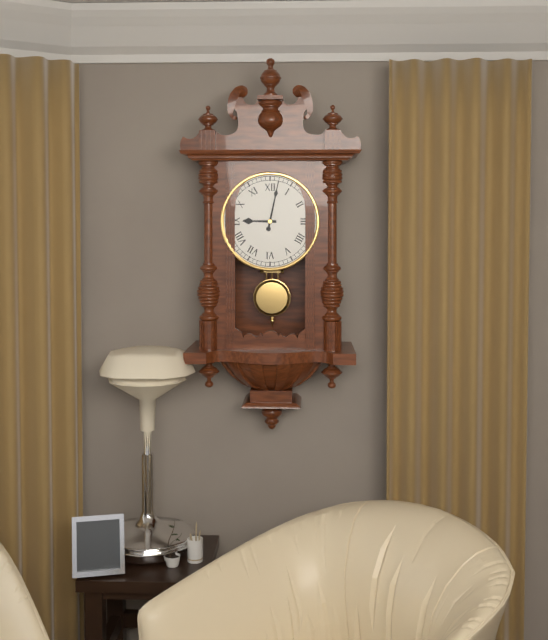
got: h=9 m=2
